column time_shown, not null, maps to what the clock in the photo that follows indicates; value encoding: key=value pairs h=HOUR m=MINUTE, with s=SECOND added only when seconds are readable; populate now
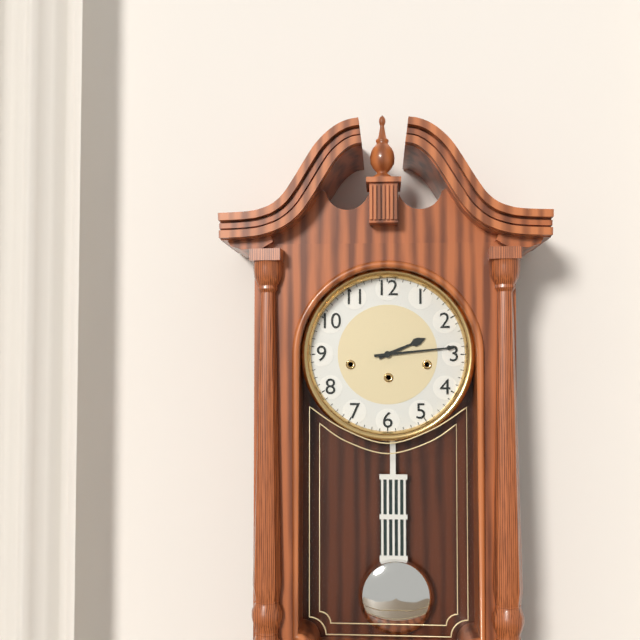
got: h=2 m=14
